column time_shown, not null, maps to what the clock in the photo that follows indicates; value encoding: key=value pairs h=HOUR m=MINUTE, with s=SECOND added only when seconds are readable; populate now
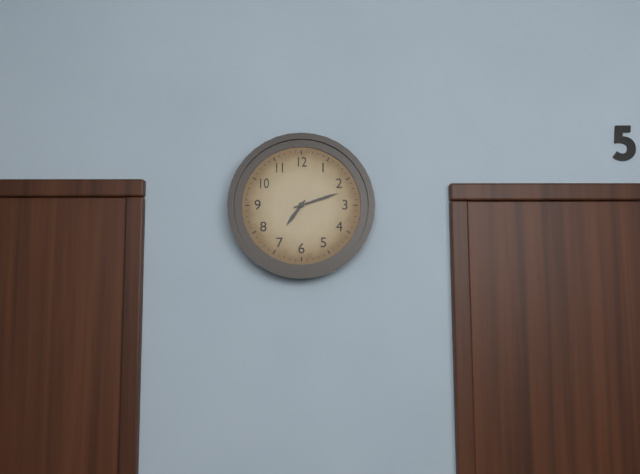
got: h=7 m=12
